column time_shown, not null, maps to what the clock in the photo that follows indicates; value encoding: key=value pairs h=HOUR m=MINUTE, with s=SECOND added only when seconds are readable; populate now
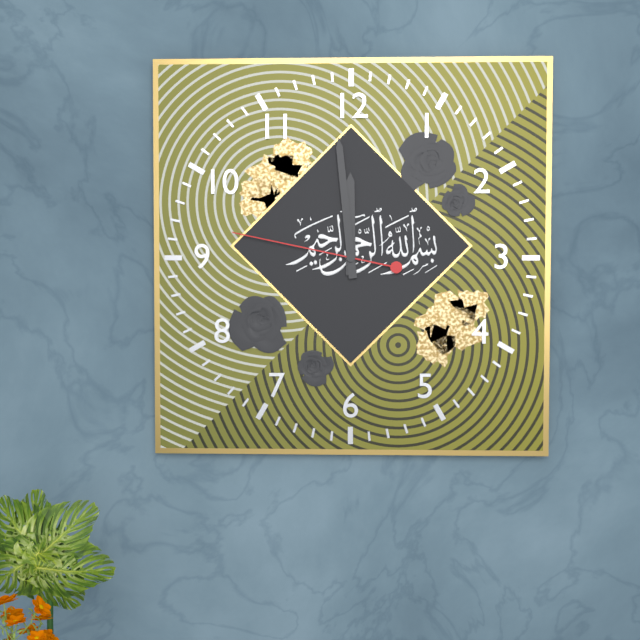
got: h=11 m=59 s=47
